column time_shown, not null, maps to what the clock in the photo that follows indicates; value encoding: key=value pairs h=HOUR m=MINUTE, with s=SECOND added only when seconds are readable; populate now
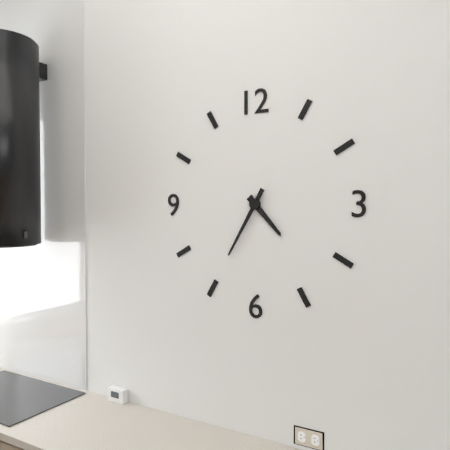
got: h=4 m=35
